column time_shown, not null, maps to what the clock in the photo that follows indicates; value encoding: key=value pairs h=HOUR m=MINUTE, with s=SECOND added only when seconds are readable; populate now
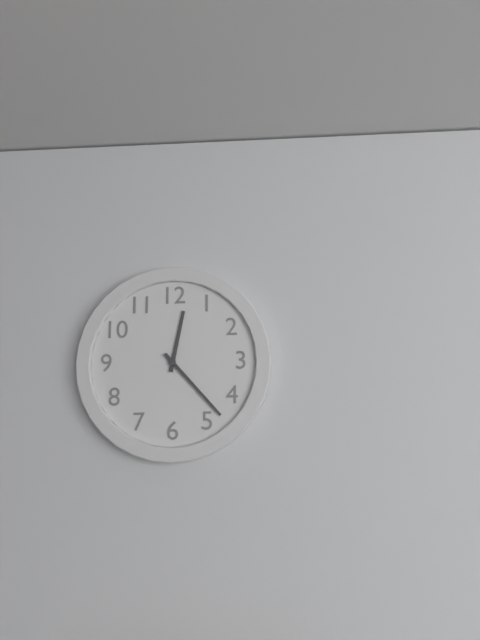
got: h=12 m=23
